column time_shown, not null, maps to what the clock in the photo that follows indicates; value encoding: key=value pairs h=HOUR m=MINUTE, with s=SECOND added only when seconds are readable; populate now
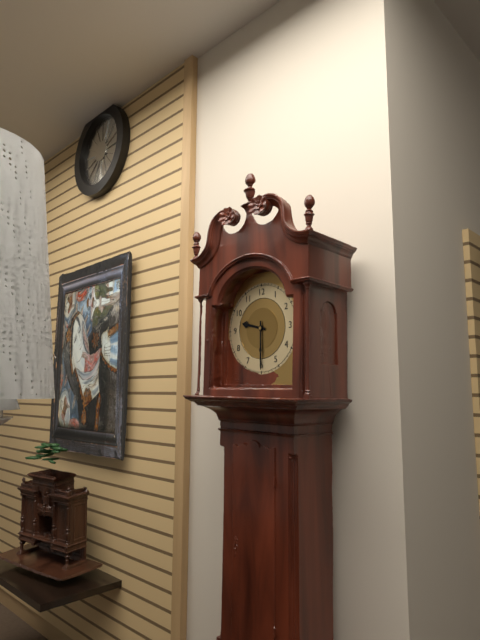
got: h=9 m=30
